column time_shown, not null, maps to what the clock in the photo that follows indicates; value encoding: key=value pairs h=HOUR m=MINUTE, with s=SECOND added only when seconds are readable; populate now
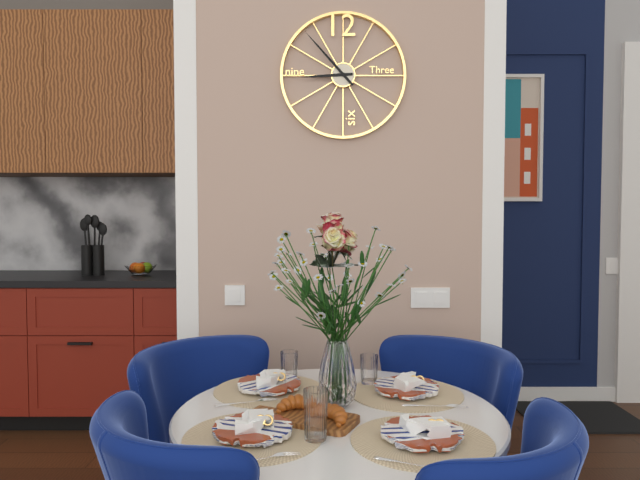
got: h=8 m=53
